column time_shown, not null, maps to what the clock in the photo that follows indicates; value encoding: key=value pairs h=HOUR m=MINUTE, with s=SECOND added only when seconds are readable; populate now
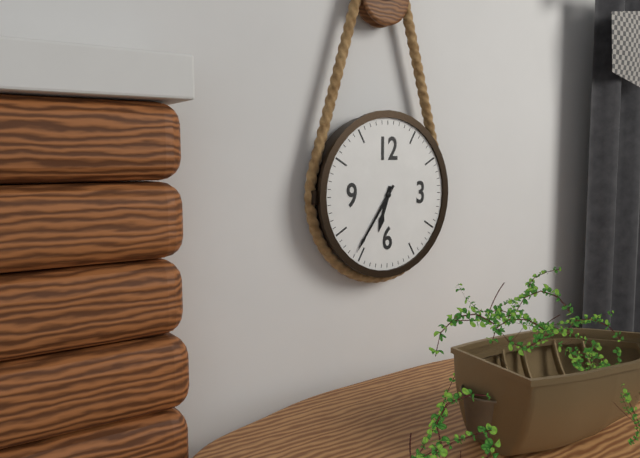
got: h=6 m=36
